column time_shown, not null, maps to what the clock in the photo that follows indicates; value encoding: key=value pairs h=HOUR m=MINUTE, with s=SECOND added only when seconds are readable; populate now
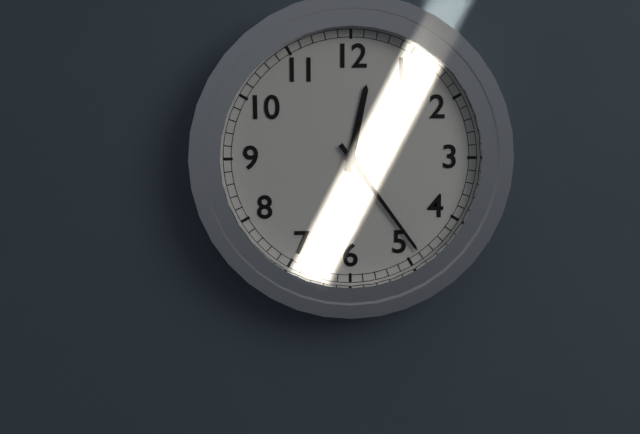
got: h=12 m=24
